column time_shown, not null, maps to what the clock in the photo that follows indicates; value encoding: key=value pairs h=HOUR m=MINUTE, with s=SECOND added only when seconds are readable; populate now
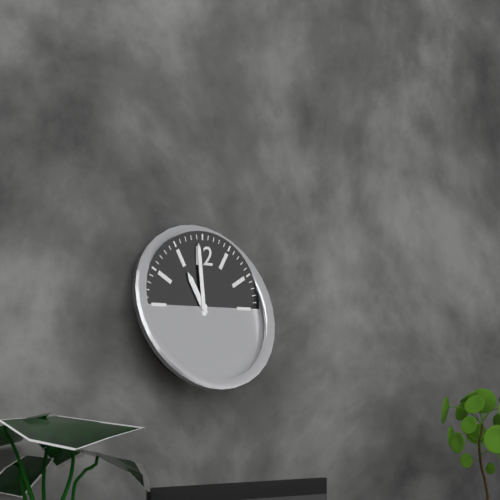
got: h=10 m=59
